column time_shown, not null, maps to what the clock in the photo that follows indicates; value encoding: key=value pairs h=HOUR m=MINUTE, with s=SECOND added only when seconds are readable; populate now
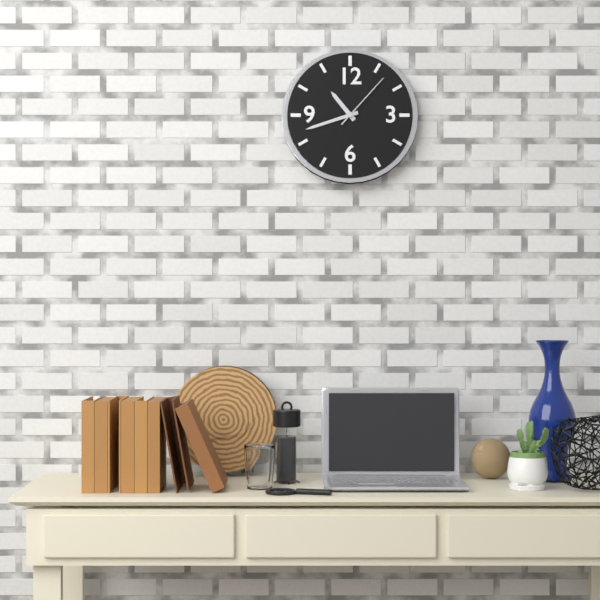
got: h=10 m=42 s=7
